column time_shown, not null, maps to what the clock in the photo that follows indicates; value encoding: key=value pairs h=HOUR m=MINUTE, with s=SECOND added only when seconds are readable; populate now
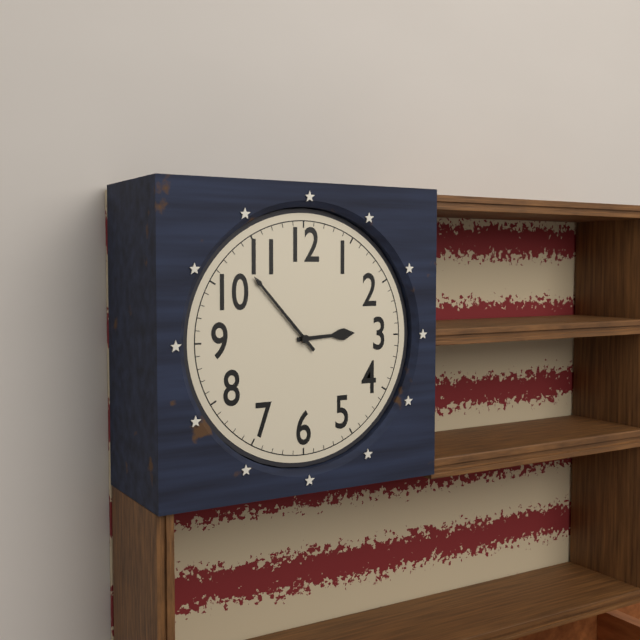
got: h=2 m=53
